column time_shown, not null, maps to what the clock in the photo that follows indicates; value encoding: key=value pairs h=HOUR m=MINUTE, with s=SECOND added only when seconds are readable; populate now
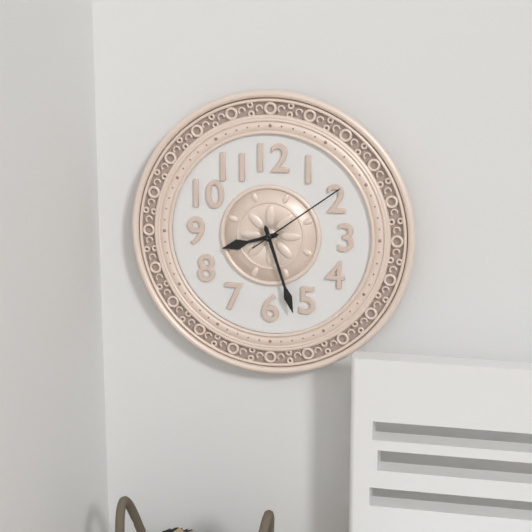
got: h=8 m=27 s=9
